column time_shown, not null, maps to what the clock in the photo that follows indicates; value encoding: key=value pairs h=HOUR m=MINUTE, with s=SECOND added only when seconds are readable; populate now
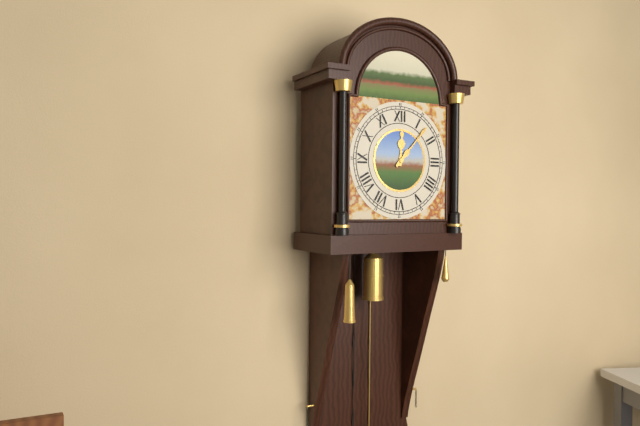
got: h=12 m=7
